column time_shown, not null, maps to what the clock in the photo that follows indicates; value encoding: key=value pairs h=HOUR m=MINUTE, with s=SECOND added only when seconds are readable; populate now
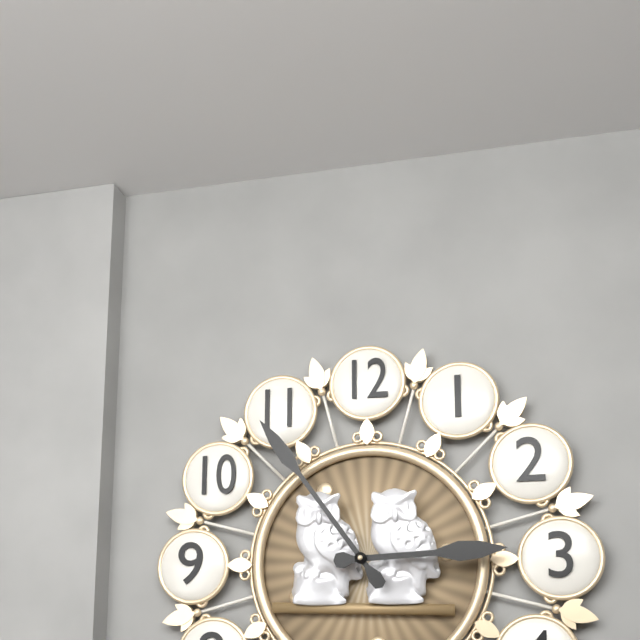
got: h=2 m=54
